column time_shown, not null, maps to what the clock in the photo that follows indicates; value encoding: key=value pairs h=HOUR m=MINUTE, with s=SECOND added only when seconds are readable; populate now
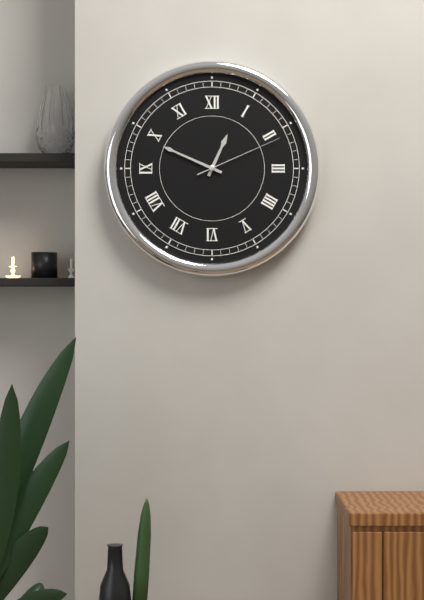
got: h=12 m=49 s=11
